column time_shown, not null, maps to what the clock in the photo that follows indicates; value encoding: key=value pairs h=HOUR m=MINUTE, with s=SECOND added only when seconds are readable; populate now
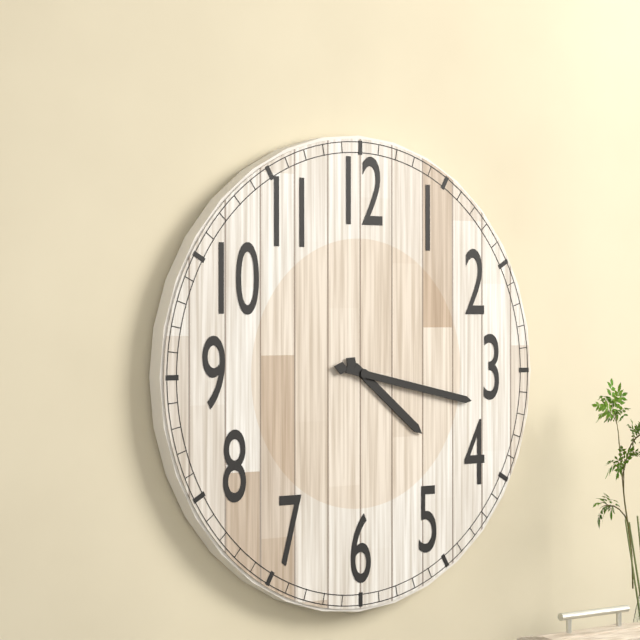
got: h=4 m=17
